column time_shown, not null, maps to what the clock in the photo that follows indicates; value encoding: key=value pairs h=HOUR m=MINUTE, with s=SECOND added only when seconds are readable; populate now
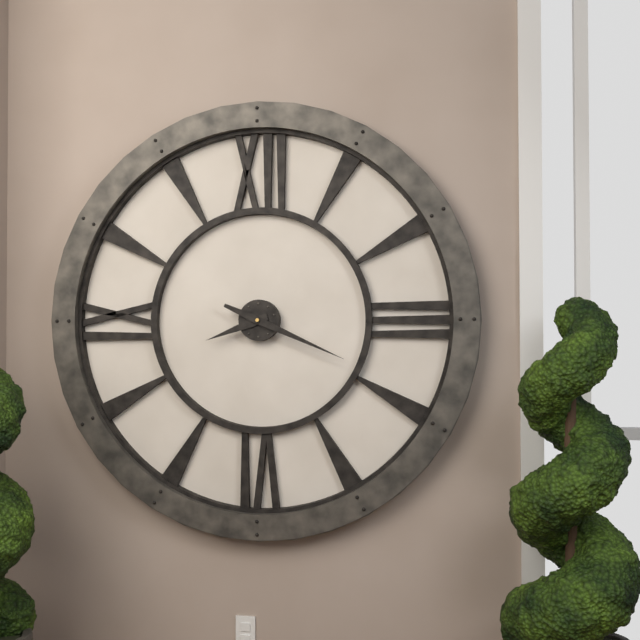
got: h=8 m=19
